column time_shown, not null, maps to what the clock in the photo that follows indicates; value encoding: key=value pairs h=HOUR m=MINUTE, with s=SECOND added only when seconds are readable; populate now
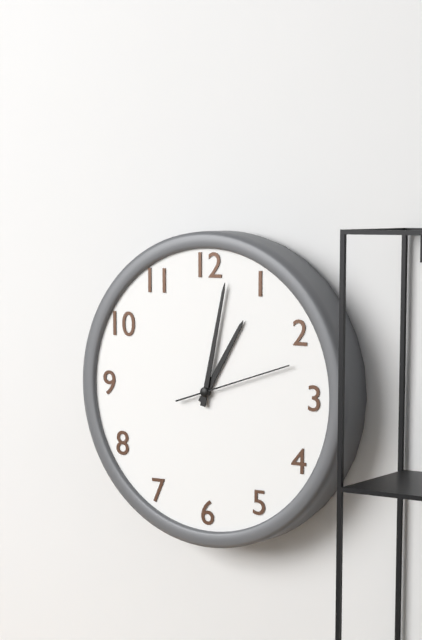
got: h=1 m=2 s=12
